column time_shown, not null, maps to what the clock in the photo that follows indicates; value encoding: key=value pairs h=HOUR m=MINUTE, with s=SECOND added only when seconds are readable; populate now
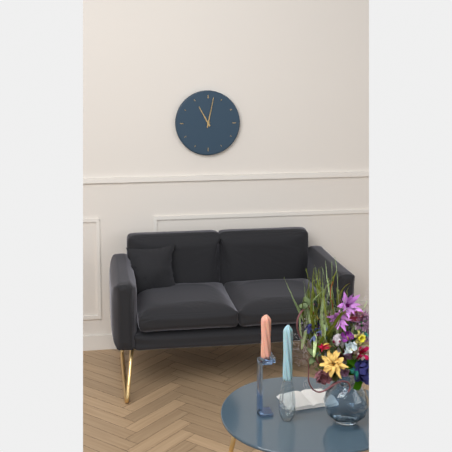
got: h=11 m=2
